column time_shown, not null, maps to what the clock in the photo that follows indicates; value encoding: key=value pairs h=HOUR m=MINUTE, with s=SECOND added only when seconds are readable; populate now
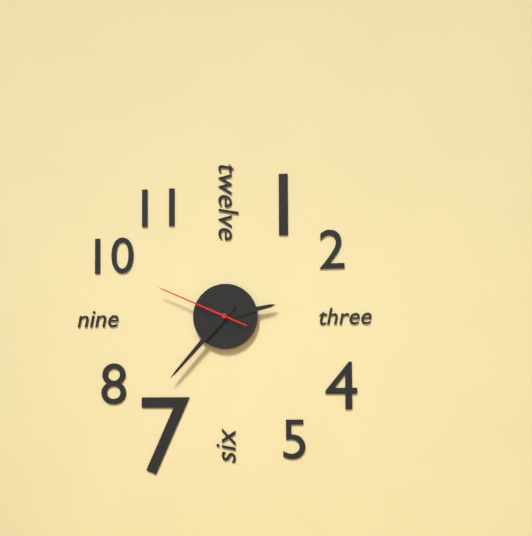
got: h=2 m=37 s=49
